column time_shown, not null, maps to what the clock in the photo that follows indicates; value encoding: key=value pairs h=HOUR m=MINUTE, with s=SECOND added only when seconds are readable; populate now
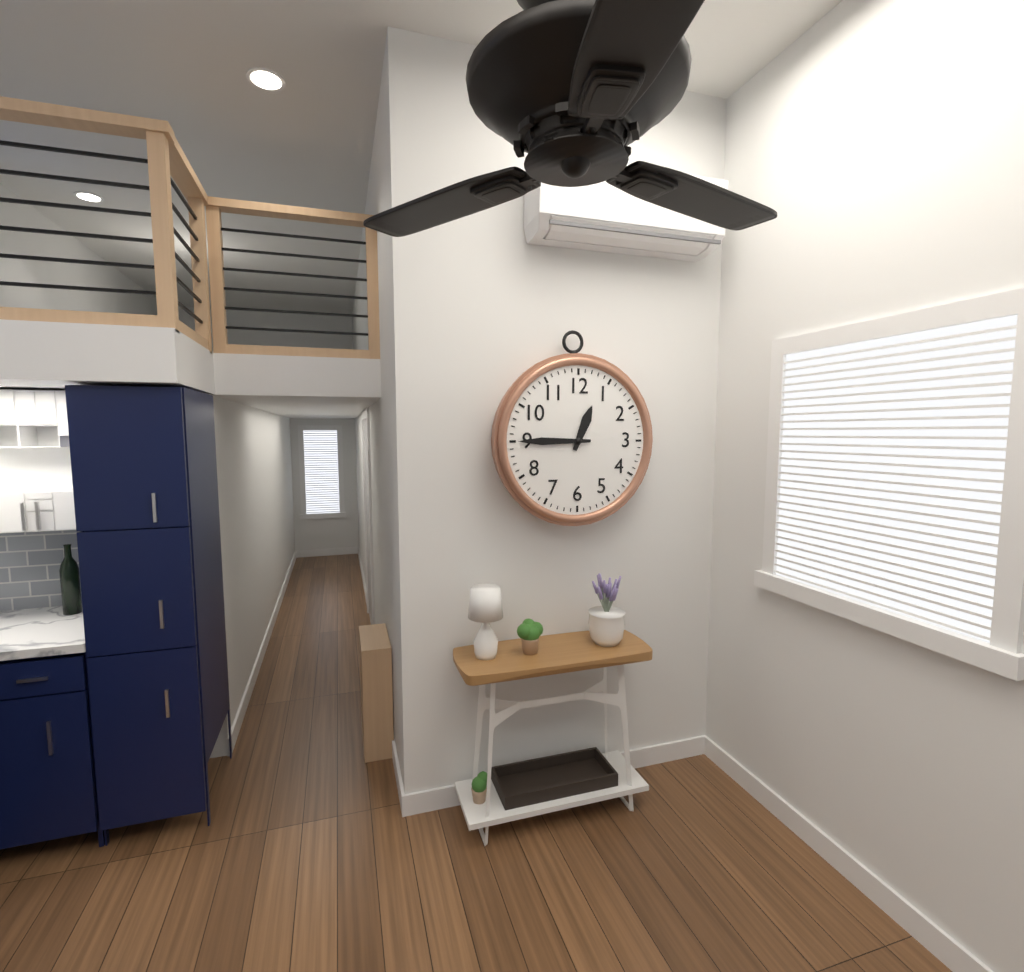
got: h=12 m=45
